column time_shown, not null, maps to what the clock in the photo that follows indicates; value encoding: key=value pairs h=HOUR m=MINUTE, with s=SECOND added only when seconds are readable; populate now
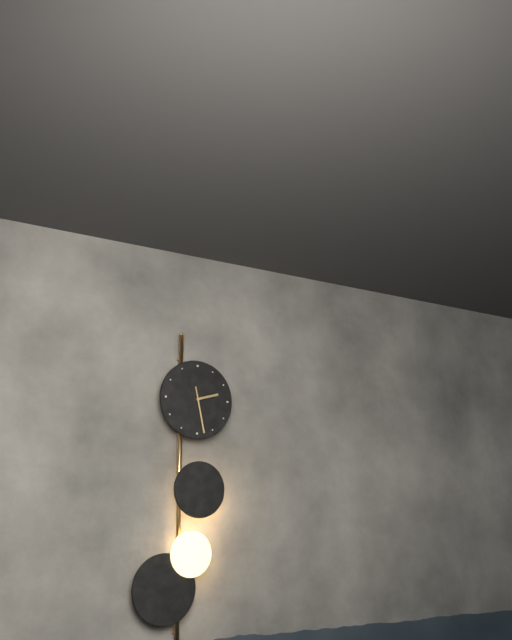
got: h=2 m=28
